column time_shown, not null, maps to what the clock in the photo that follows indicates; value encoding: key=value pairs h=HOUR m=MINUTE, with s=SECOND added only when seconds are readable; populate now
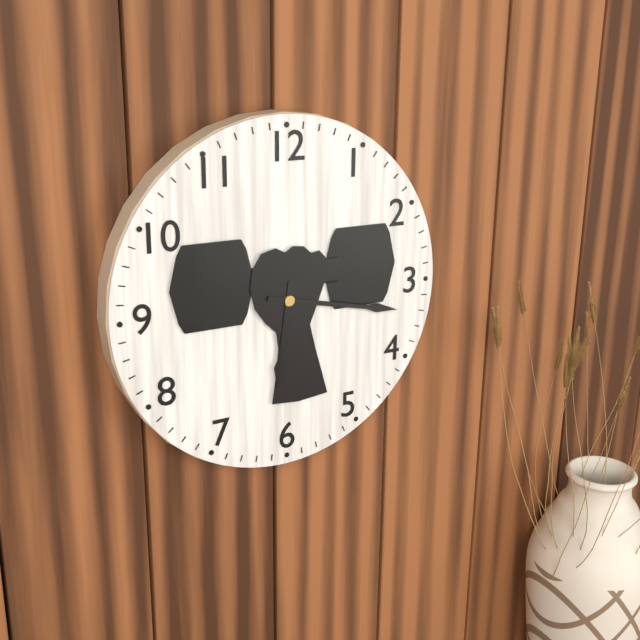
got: h=6 m=17
